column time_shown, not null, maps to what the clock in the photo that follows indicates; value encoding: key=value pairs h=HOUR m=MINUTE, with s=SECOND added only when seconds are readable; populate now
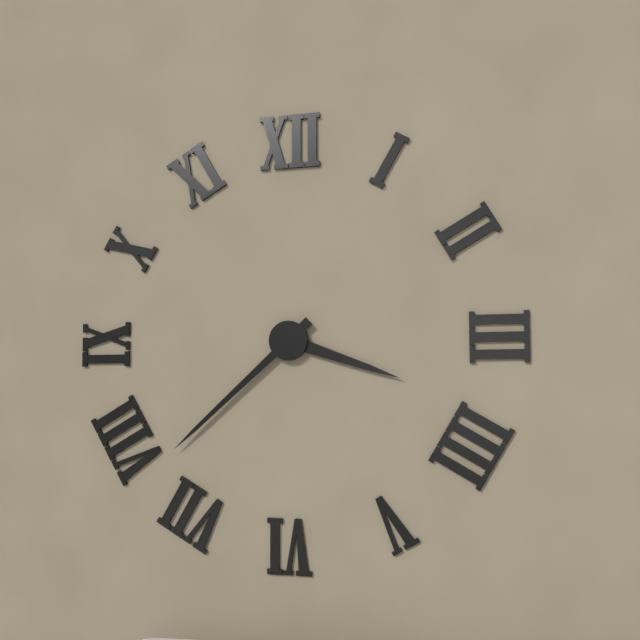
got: h=3 m=38
